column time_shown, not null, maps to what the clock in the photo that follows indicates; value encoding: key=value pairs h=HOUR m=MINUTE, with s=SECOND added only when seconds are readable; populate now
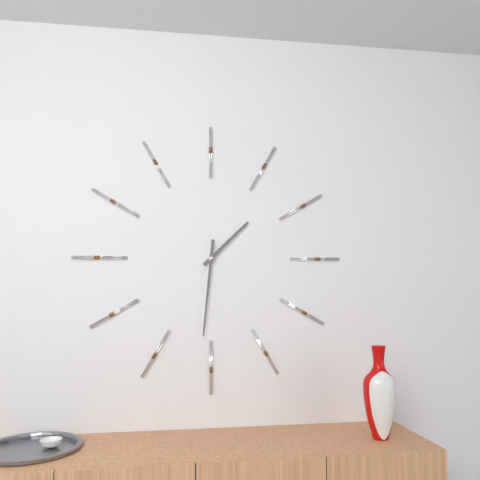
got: h=1 m=31
